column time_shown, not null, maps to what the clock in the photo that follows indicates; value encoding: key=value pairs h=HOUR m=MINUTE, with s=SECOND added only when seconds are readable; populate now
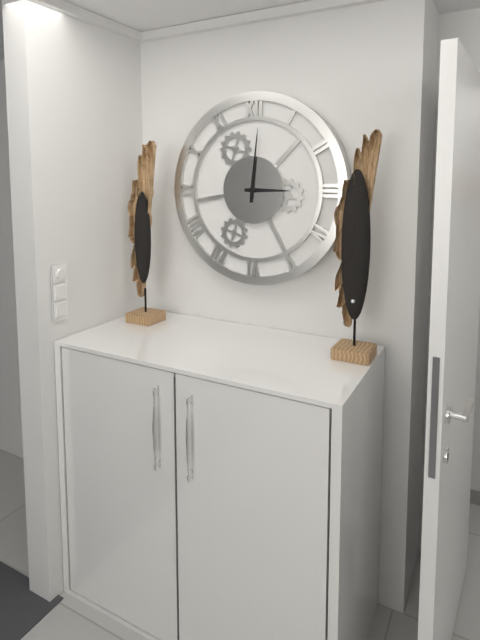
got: h=3 m=1
